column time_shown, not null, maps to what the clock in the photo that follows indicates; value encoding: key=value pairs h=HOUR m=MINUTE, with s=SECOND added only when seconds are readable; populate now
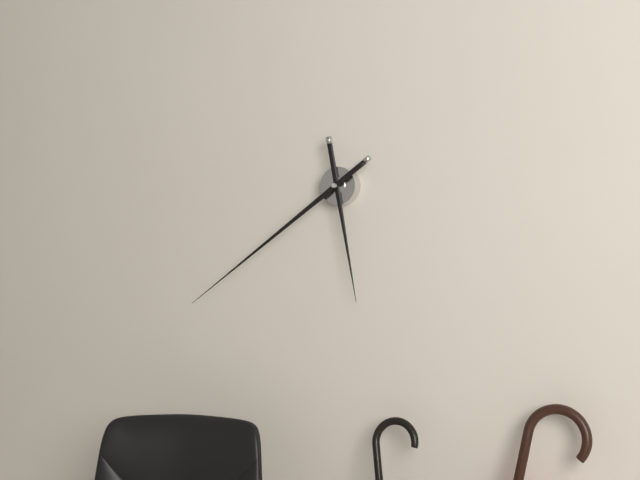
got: h=5 m=39
